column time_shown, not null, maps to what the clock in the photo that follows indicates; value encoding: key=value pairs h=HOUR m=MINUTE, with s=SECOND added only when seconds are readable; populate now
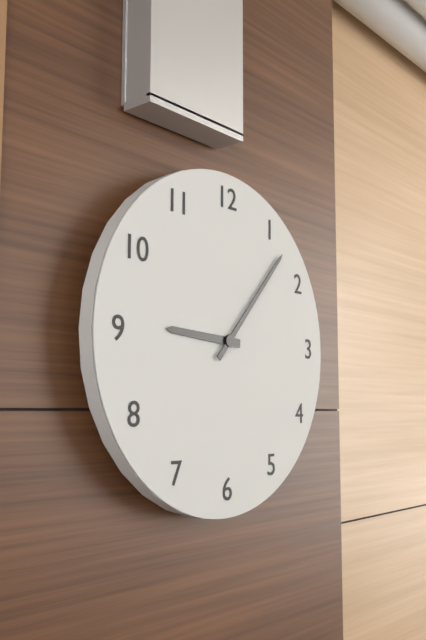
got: h=9 m=7
